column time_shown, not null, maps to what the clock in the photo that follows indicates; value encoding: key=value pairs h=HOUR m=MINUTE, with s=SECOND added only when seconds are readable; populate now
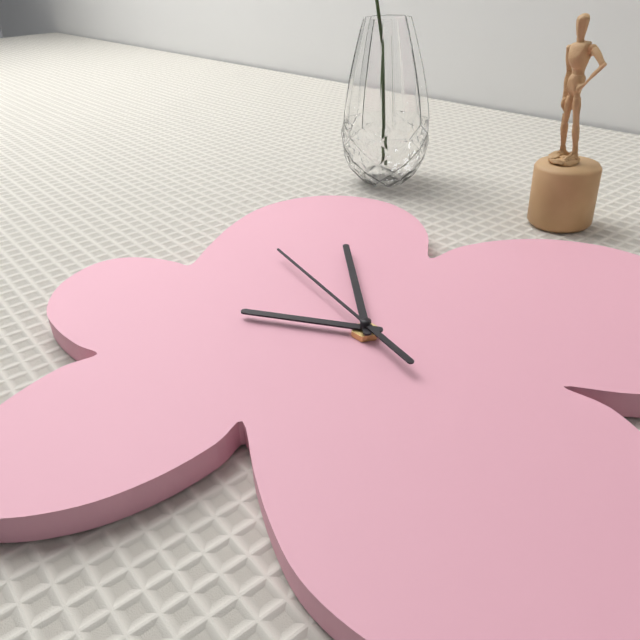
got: h=8 m=56 s=52
